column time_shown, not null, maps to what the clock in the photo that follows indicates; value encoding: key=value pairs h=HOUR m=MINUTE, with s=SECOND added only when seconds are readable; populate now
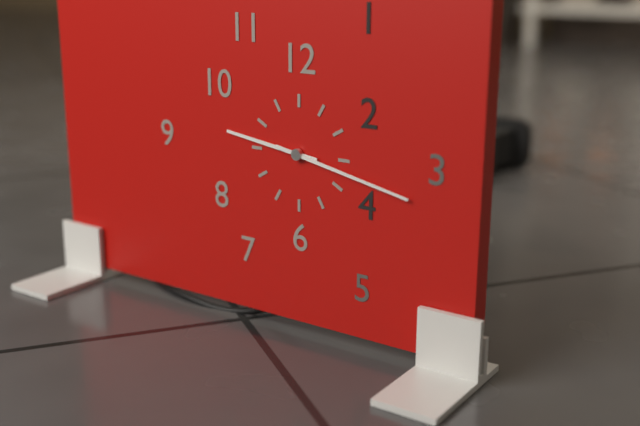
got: h=9 m=17
